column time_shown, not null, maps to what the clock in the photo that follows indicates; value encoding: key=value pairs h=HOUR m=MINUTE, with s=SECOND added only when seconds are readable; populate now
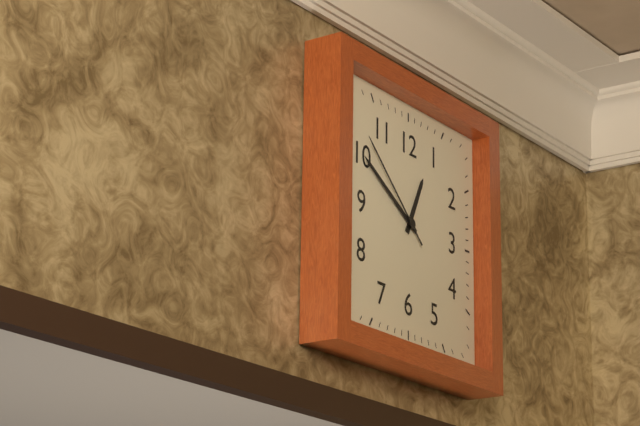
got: h=12 m=50 s=52
